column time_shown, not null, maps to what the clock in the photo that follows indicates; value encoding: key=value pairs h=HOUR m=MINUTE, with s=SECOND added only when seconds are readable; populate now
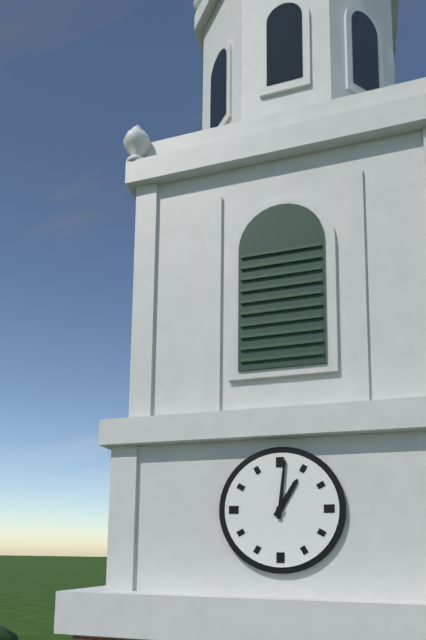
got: h=1 m=1
